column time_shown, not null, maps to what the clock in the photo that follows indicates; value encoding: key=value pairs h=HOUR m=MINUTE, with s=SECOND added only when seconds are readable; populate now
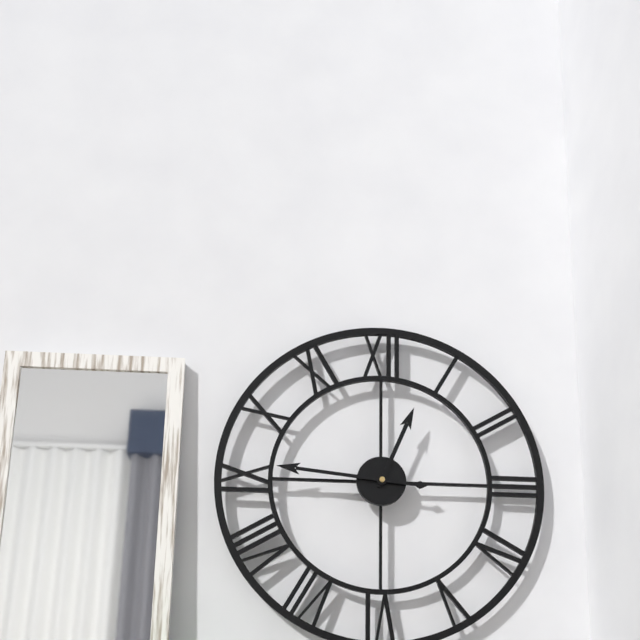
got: h=12 m=46
